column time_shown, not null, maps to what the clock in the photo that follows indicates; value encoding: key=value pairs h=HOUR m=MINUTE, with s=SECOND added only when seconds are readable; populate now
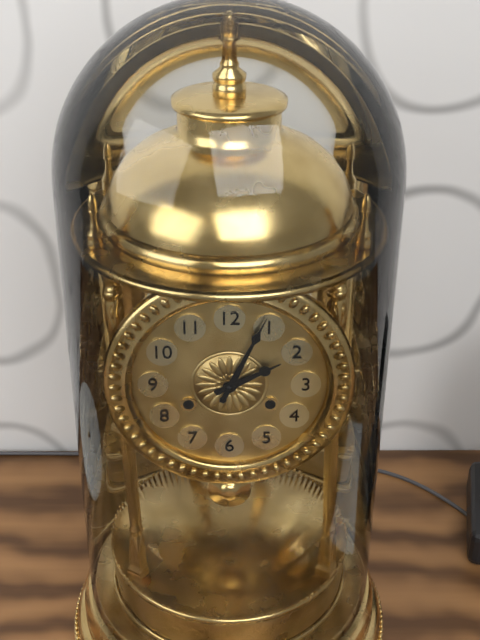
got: h=2 m=4
